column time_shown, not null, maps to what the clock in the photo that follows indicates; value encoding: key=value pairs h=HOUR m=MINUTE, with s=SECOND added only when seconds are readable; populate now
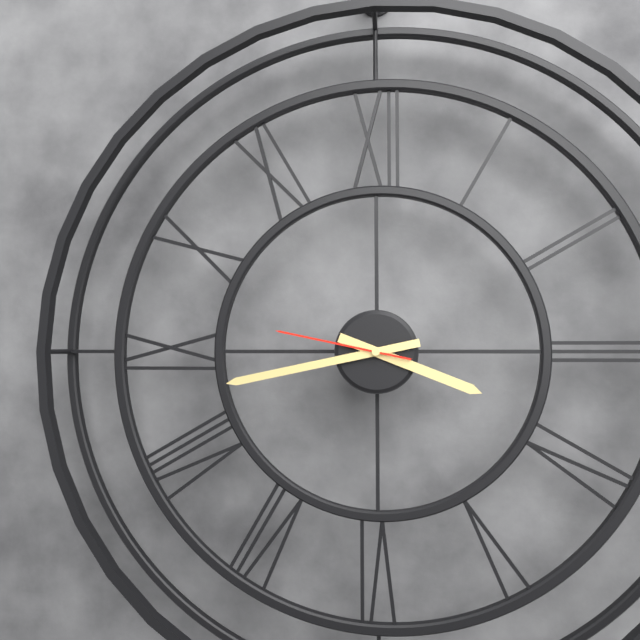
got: h=3 m=43 s=47
